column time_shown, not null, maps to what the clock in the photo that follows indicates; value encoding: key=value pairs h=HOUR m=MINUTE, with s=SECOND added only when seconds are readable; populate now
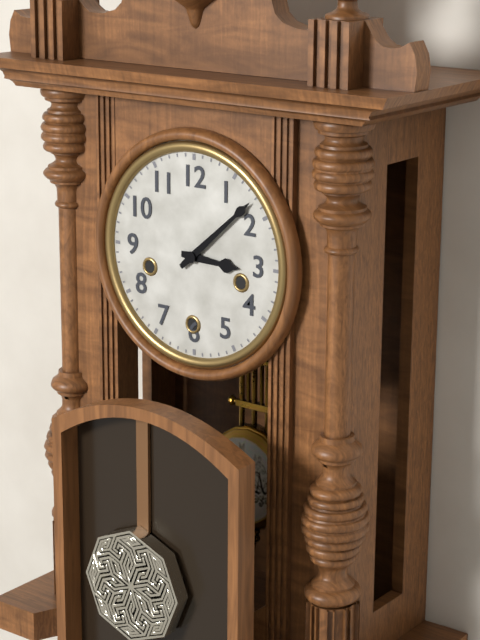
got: h=3 m=8
